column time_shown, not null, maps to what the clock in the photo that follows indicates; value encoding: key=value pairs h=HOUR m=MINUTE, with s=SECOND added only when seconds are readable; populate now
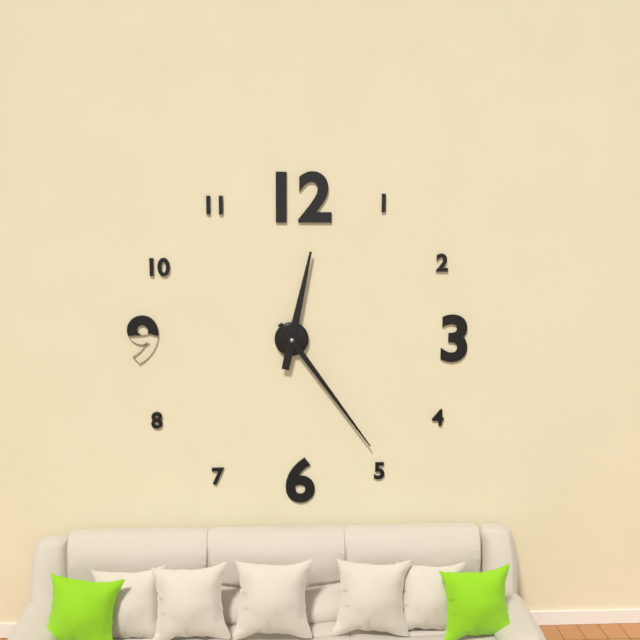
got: h=12 m=24
